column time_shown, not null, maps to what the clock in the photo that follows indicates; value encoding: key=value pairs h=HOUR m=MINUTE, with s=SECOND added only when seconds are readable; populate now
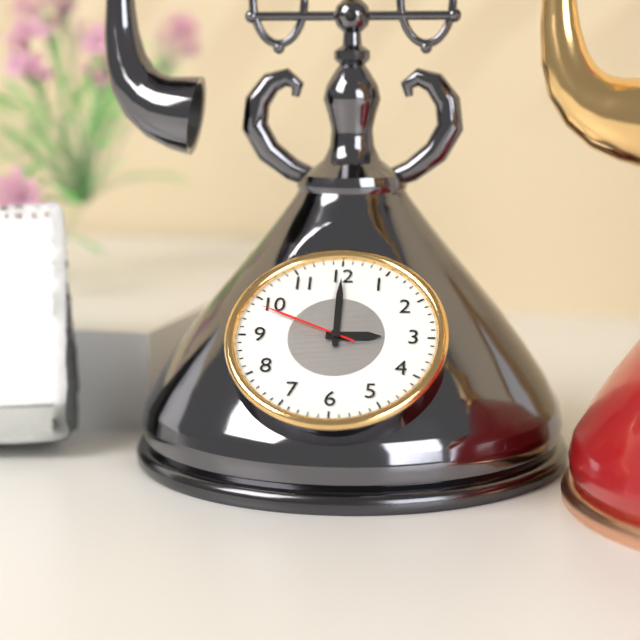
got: h=3 m=0 s=49
